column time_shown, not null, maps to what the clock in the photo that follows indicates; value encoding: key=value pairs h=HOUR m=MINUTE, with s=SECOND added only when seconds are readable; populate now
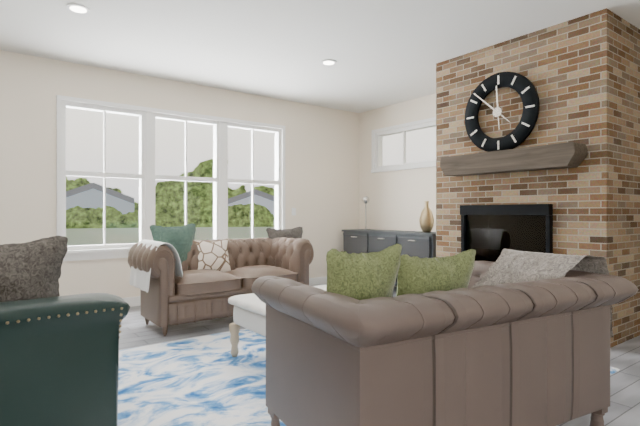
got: h=11 m=52
